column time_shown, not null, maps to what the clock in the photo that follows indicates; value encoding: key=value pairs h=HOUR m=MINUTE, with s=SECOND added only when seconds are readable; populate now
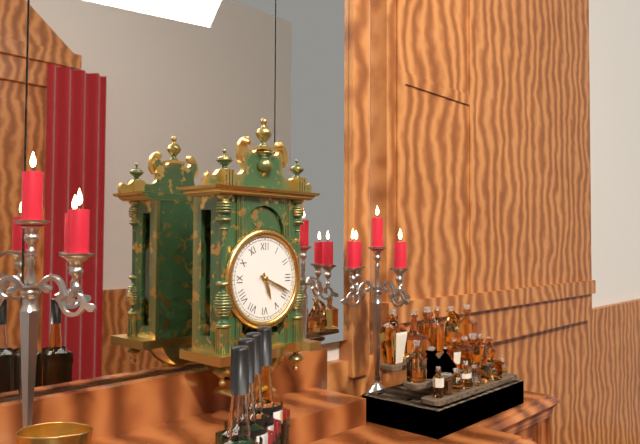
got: h=5 m=19
